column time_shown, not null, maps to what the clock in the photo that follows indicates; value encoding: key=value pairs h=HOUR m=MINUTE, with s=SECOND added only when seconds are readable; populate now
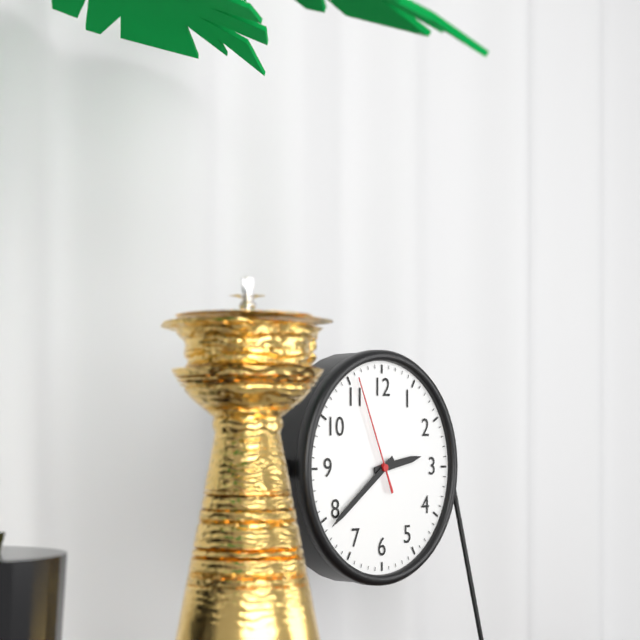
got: h=2 m=39 s=56
